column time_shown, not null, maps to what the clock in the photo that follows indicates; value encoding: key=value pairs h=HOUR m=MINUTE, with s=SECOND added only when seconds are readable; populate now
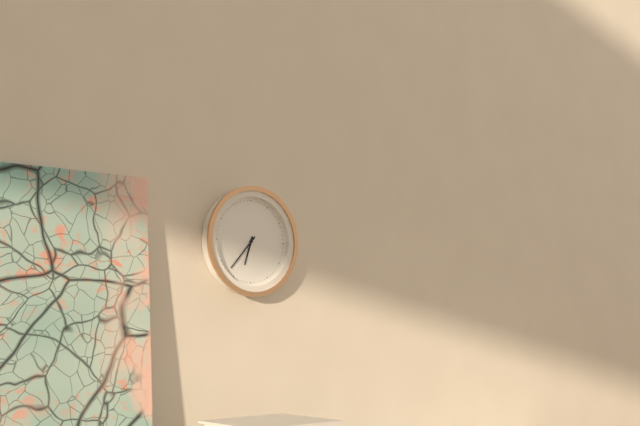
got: h=6 m=37
